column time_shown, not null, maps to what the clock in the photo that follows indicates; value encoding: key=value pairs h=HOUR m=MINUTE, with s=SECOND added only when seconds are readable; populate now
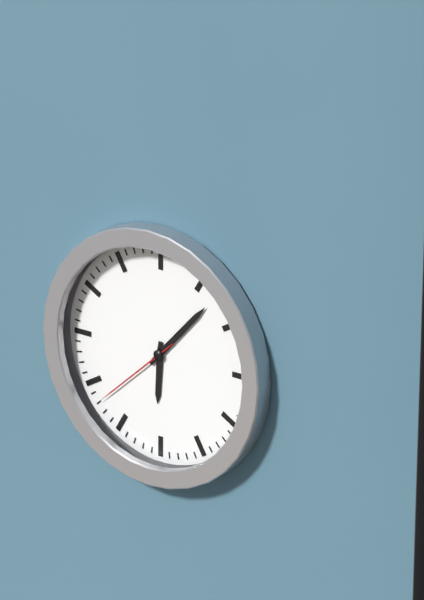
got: h=6 m=7 s=38
